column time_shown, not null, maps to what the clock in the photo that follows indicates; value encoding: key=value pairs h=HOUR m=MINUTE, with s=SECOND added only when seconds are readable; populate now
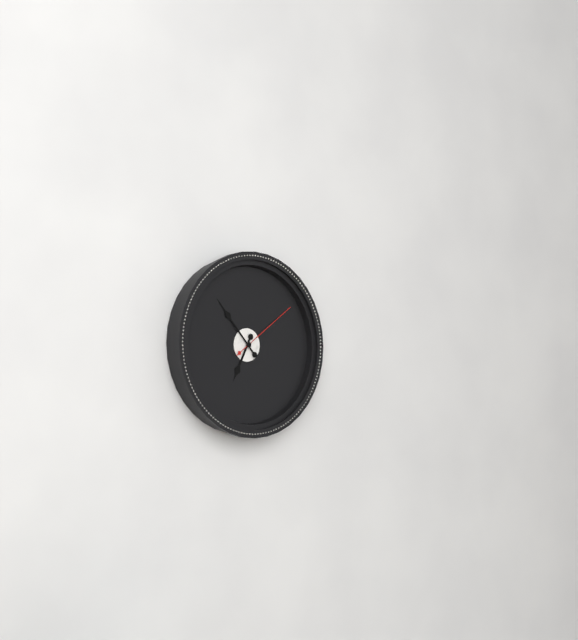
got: h=6 m=53 s=9
